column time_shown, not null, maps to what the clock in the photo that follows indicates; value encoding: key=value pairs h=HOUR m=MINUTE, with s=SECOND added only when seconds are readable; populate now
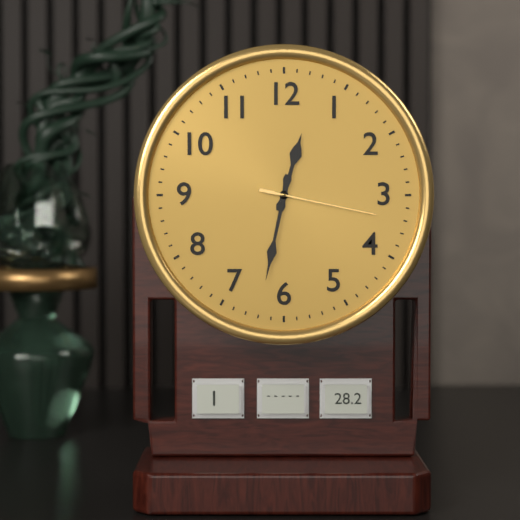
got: h=12 m=32 s=17
